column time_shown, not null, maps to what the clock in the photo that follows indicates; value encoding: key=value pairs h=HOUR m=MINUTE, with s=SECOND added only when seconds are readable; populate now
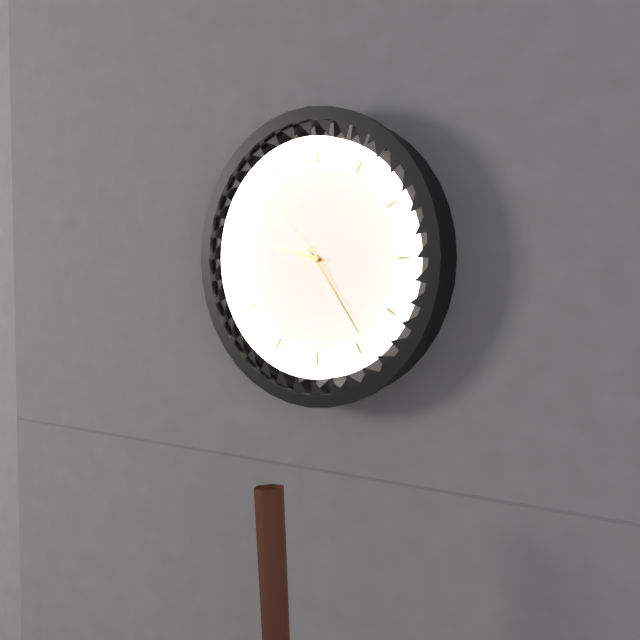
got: h=9 m=24 s=52
